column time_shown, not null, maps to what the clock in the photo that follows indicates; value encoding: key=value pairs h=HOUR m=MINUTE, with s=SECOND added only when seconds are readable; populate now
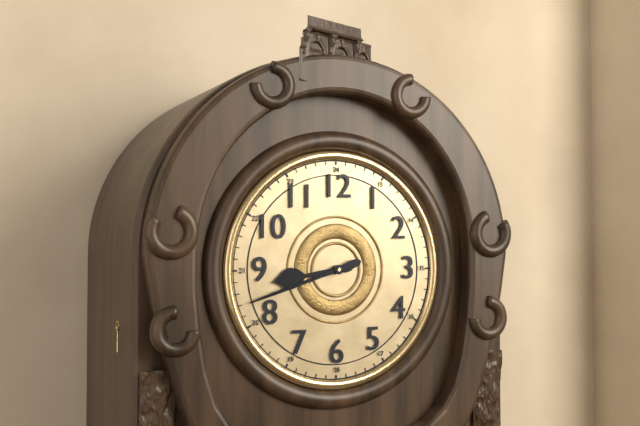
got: h=8 m=42
